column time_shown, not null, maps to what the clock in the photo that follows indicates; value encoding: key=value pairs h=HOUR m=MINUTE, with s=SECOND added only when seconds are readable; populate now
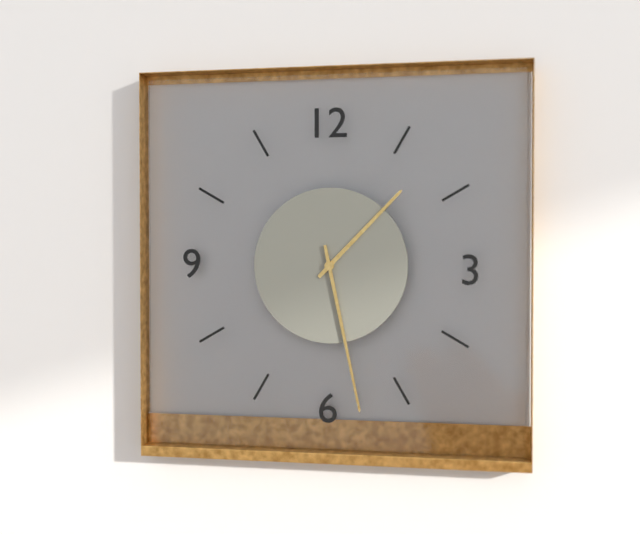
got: h=1 m=28
